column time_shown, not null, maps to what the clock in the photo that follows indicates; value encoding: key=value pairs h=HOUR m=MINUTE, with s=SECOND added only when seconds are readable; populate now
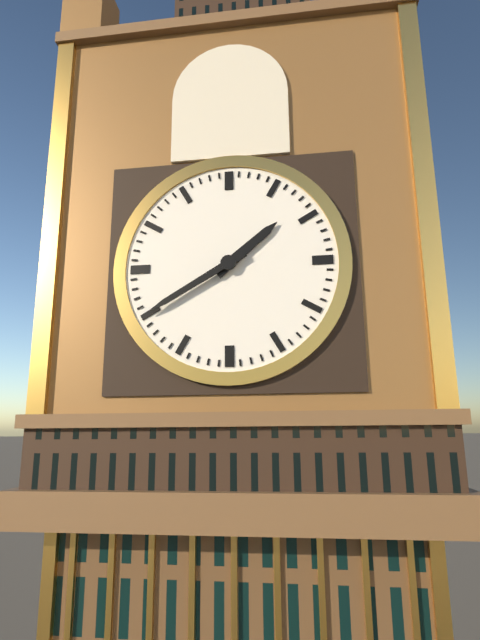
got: h=1 m=40
